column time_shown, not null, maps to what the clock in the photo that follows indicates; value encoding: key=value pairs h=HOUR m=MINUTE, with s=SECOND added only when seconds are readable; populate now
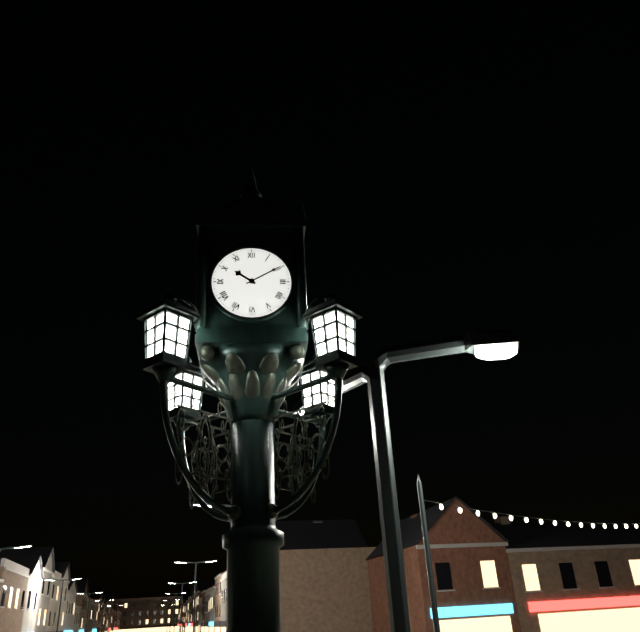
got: h=10 m=10
